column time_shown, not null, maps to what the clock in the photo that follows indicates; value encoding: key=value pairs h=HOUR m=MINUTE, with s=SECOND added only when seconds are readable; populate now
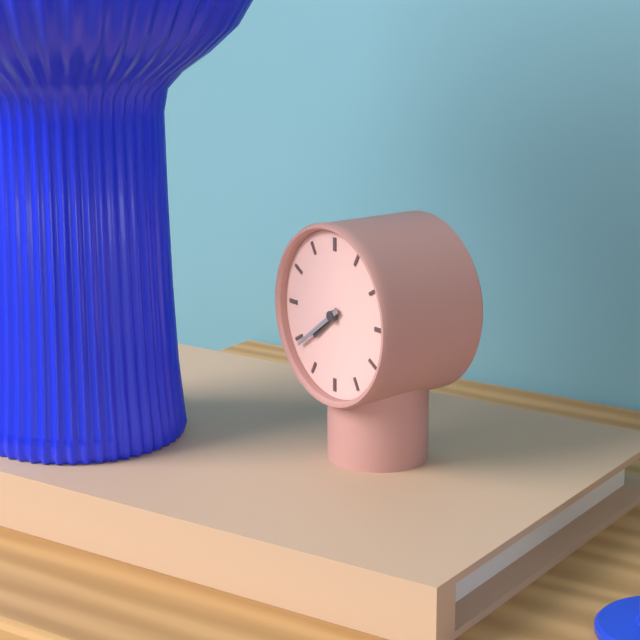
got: h=7 m=39
